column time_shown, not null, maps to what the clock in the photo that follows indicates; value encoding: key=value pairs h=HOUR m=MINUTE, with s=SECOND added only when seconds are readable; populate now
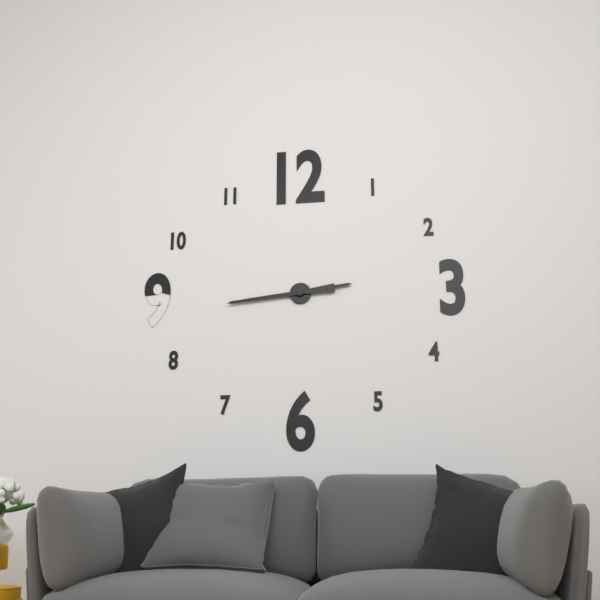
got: h=2 m=44
